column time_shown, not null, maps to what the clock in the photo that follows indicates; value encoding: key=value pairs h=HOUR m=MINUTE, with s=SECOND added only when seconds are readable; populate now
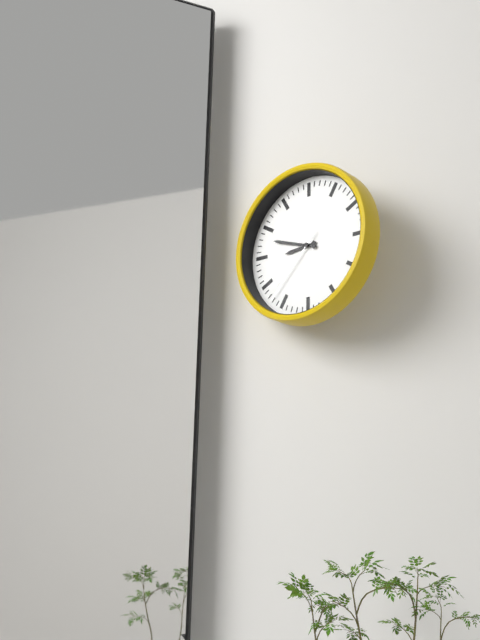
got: h=8 m=48 s=37
